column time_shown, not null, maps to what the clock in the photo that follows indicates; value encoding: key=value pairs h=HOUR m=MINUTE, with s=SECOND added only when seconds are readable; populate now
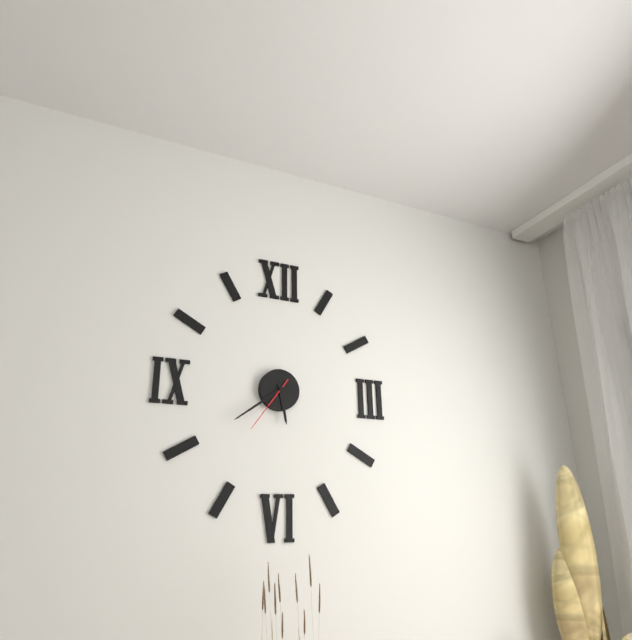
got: h=5 m=39 s=36
